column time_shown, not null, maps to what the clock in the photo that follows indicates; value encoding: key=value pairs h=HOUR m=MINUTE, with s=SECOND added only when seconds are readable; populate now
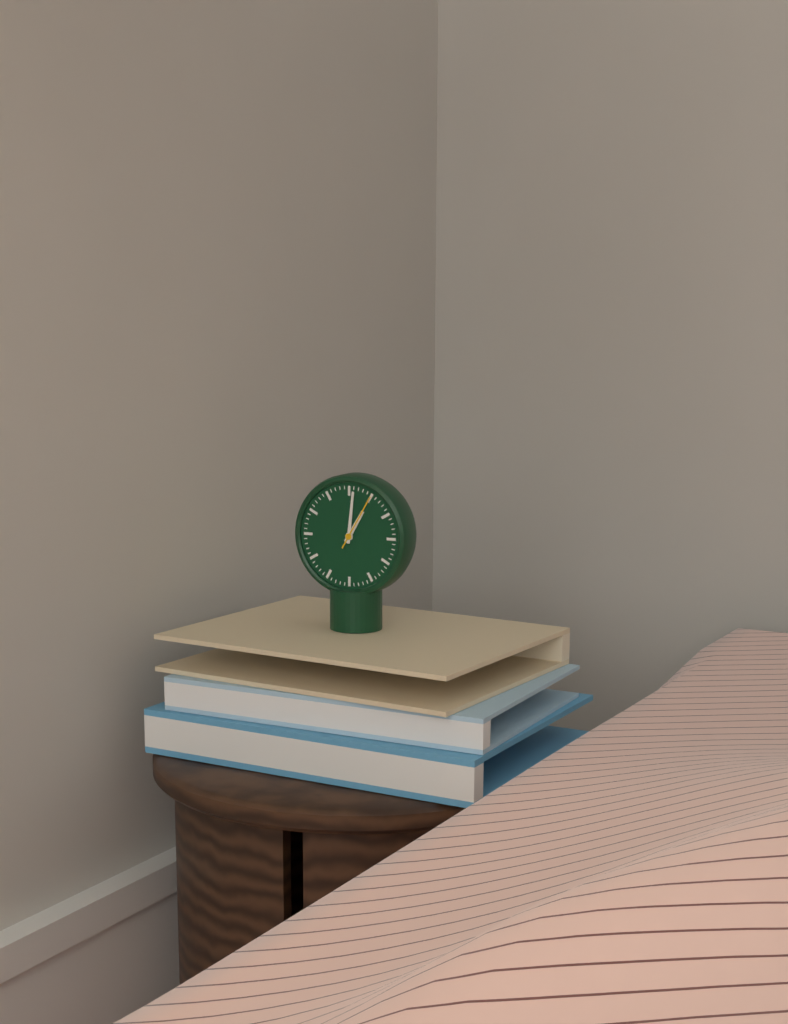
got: h=1 m=1 s=5
